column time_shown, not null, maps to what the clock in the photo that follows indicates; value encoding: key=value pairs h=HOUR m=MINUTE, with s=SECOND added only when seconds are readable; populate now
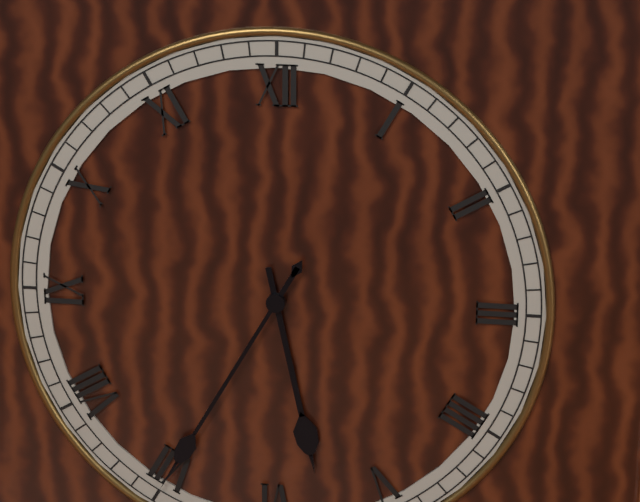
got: h=5 m=35
